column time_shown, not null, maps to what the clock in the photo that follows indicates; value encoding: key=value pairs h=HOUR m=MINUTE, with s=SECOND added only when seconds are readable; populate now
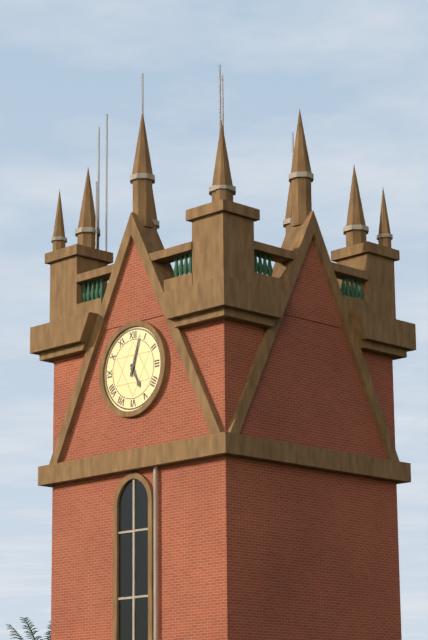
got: h=5 m=3
